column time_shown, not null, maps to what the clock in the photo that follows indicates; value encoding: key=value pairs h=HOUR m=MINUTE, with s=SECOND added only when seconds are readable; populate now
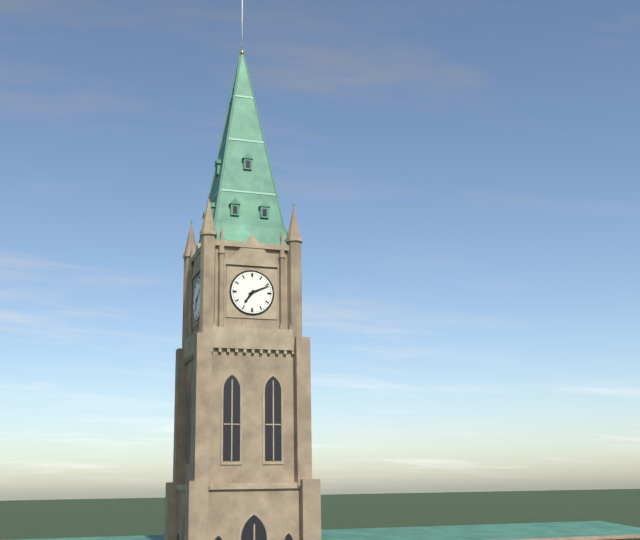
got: h=7 m=11
